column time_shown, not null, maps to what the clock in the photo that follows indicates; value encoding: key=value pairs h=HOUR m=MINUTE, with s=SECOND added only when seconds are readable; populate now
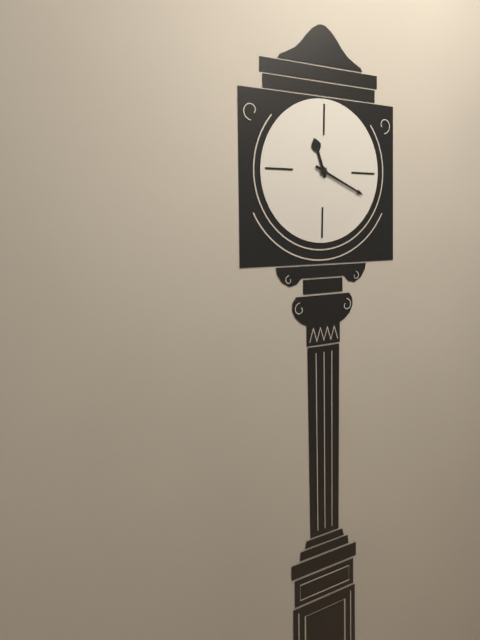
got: h=11 m=19
